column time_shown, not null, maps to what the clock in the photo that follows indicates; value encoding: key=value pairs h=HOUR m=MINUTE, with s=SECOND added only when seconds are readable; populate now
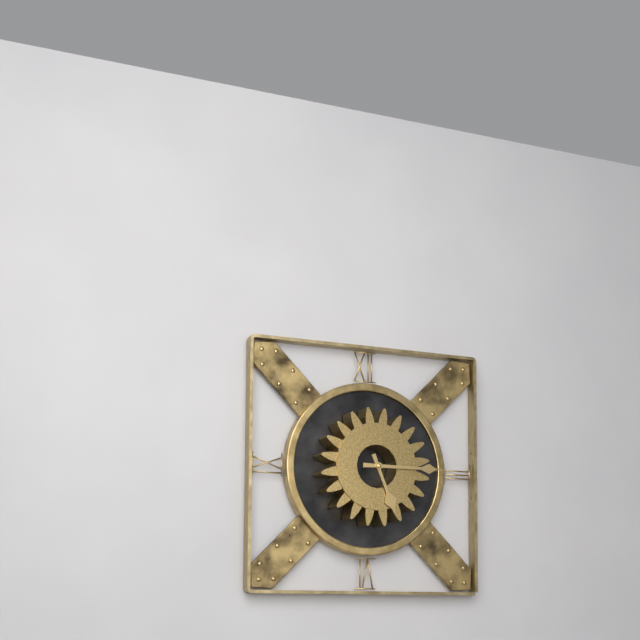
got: h=5 m=15
